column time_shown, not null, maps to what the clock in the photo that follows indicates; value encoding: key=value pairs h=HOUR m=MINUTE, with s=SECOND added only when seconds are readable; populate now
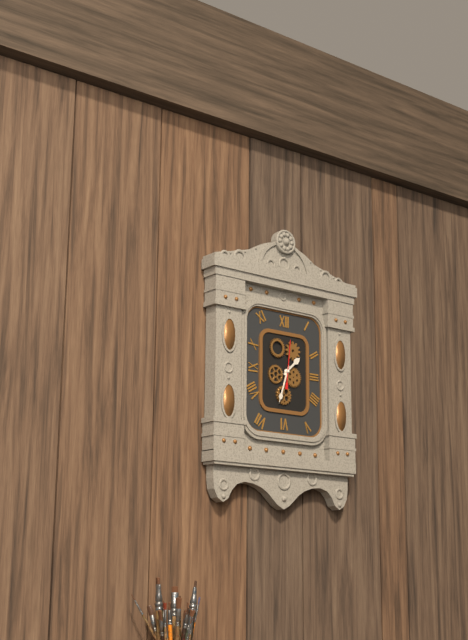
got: h=1 m=33
